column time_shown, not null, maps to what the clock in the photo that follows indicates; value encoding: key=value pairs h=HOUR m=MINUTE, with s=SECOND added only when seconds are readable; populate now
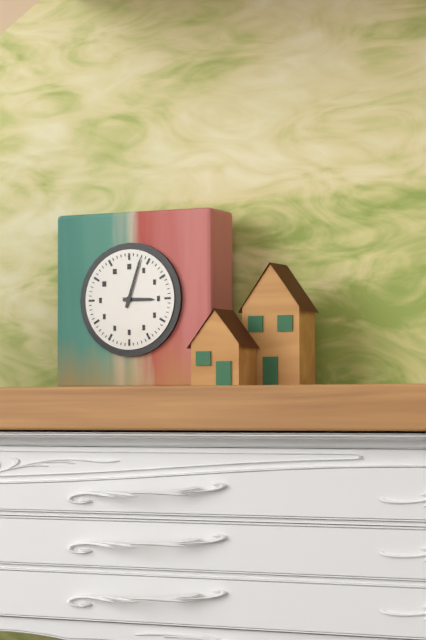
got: h=3 m=3
